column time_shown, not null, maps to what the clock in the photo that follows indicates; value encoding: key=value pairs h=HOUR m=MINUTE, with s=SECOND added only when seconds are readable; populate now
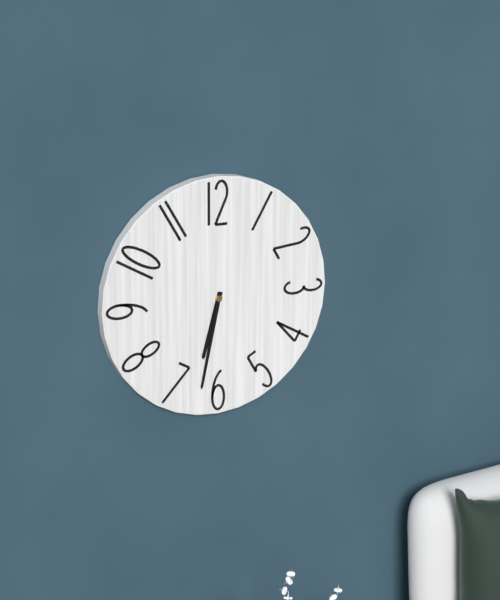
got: h=6 m=32
